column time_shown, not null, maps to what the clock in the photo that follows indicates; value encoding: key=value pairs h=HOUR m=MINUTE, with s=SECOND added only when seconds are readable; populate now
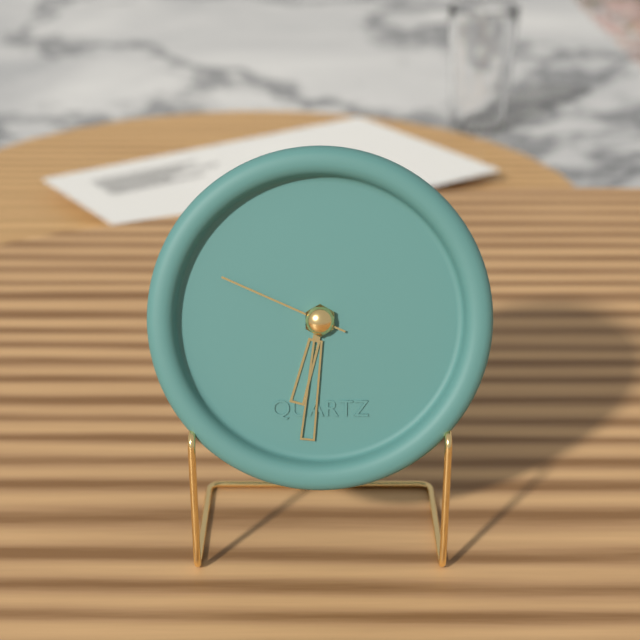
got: h=6 m=31 s=49
